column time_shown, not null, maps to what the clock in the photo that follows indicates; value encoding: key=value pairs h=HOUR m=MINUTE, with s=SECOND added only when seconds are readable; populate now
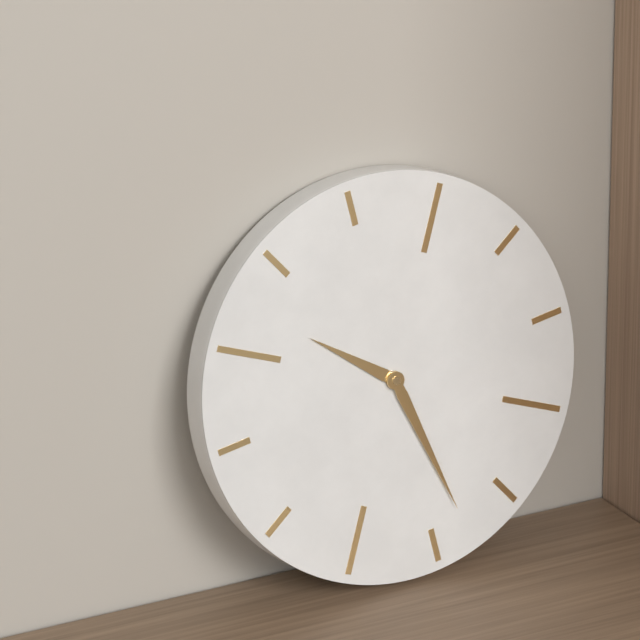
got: h=10 m=28
